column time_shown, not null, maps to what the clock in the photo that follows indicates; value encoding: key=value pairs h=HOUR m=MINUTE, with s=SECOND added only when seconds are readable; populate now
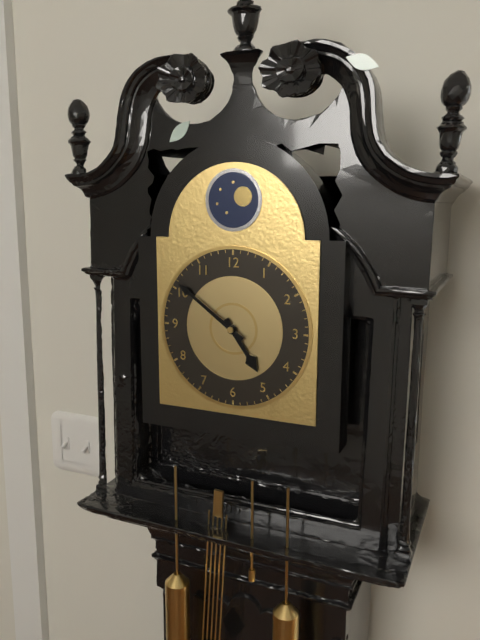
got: h=4 m=51
